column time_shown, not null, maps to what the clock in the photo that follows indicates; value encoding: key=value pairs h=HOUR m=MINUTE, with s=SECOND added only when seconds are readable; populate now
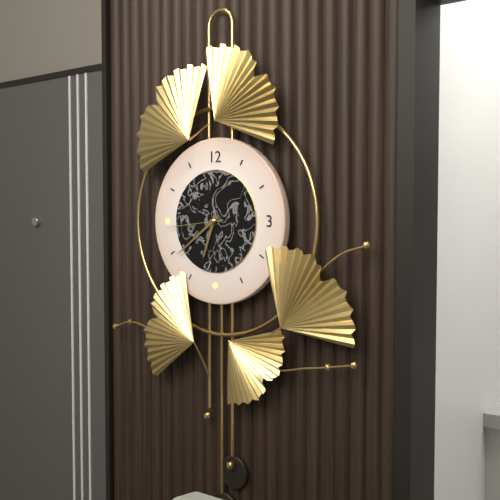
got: h=6 m=39 s=44
